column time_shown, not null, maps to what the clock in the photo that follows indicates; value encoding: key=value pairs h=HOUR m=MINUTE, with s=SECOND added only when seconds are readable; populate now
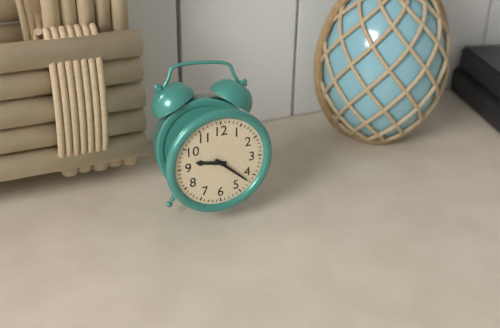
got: h=9 m=22
